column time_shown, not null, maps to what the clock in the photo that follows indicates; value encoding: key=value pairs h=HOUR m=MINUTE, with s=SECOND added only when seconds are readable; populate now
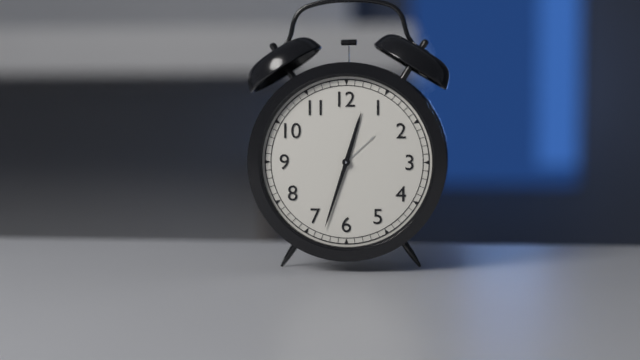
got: h=12 m=33
